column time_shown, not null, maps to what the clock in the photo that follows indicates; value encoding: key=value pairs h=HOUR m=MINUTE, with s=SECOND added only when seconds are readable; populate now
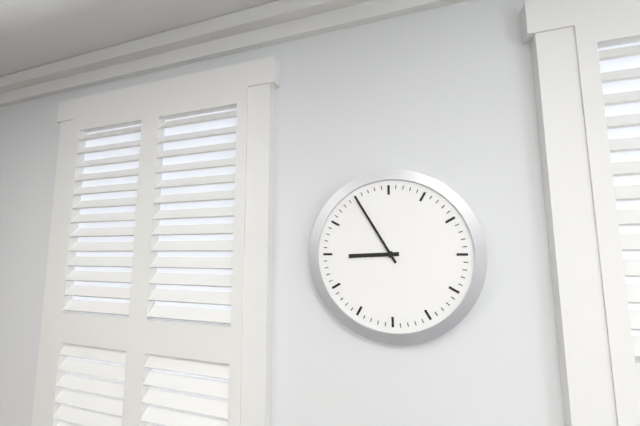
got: h=8 m=55
